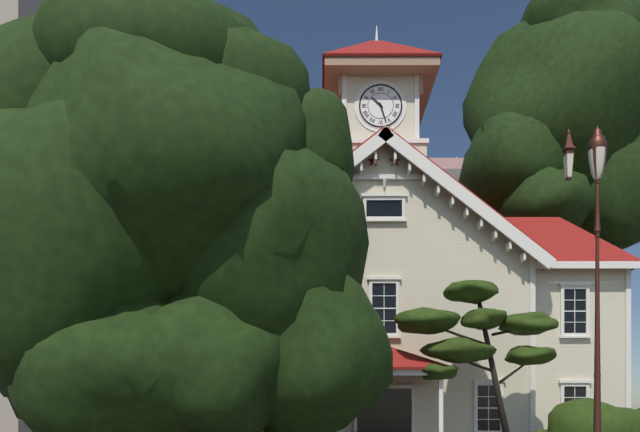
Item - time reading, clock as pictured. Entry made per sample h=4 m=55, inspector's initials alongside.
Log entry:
h=10 m=27
